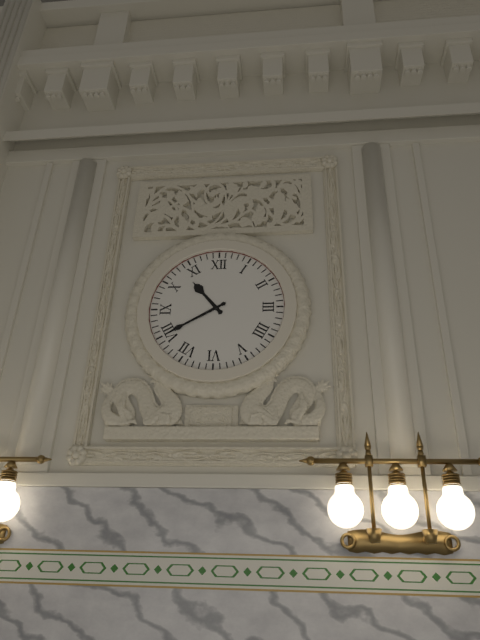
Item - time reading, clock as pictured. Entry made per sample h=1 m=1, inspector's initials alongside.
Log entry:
h=10 m=40
